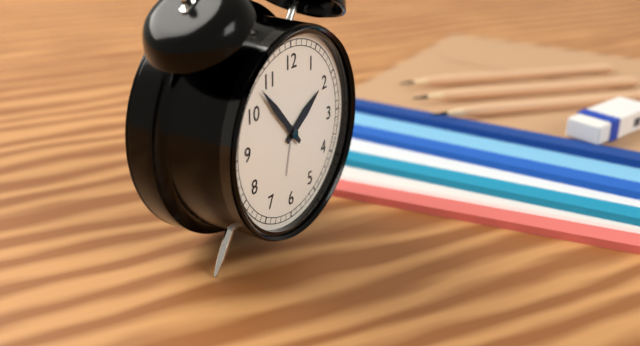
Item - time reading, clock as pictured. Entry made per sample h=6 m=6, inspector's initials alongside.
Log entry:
h=1 m=53
